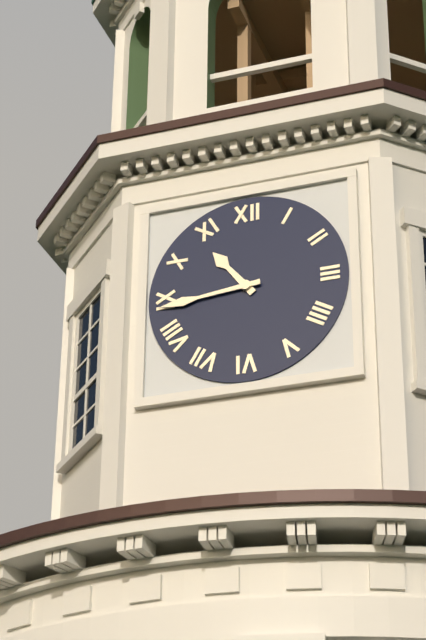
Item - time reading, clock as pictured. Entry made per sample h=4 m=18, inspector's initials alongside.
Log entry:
h=10 m=44
